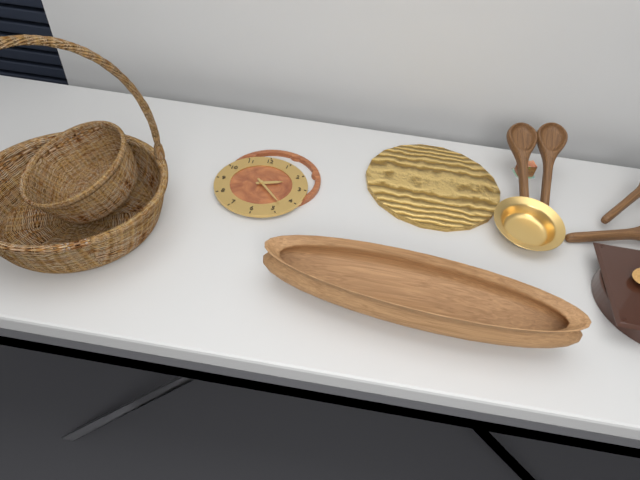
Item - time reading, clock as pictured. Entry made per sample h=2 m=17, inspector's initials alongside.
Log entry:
h=2 m=23
